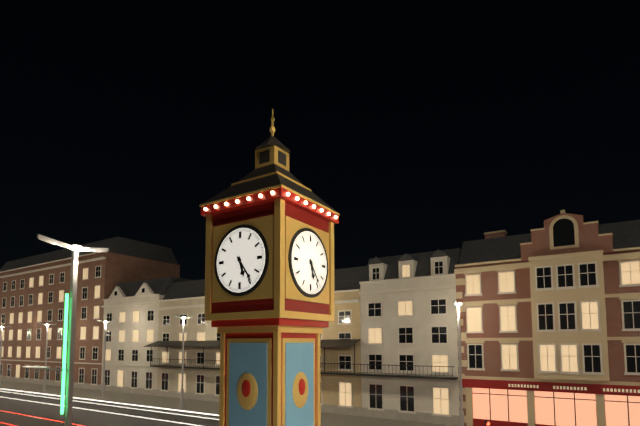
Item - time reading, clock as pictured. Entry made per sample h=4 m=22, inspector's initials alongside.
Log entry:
h=5 m=24
